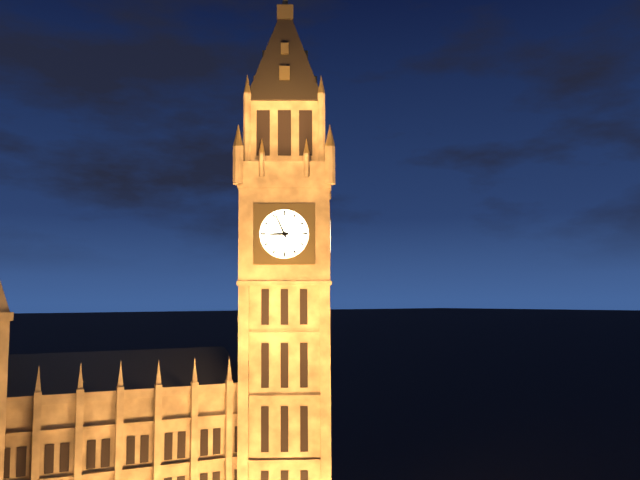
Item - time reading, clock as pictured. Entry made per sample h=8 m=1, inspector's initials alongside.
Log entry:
h=8 m=56
